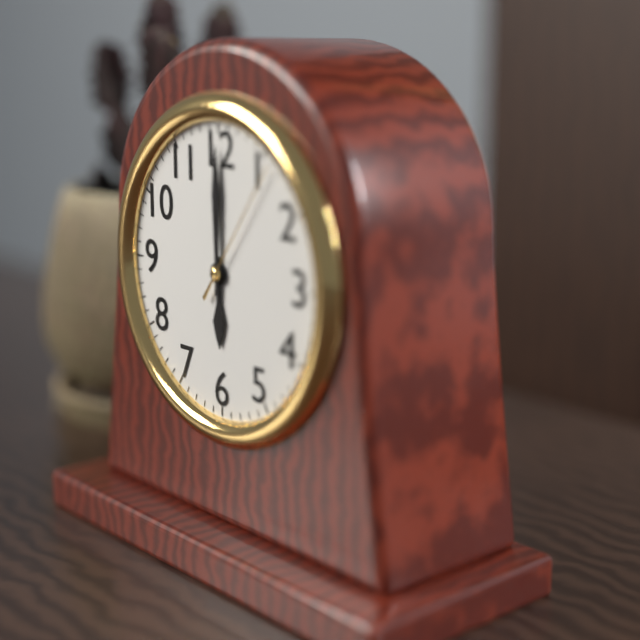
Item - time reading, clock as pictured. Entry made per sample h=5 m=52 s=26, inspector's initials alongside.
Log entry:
h=6 m=0 s=6
